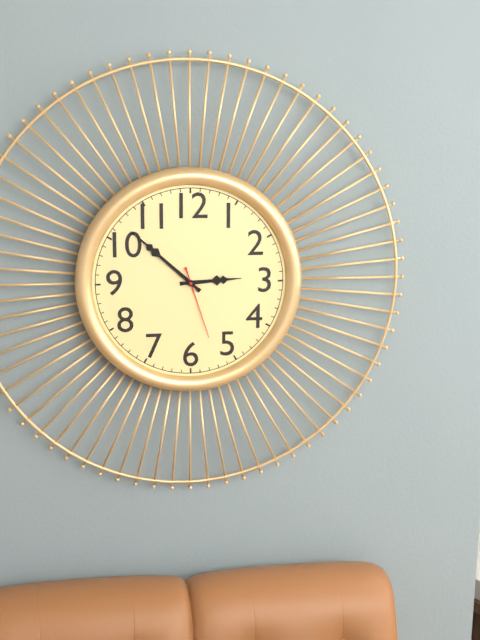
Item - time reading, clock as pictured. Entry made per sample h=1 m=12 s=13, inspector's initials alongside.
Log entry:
h=2 m=52 s=27
